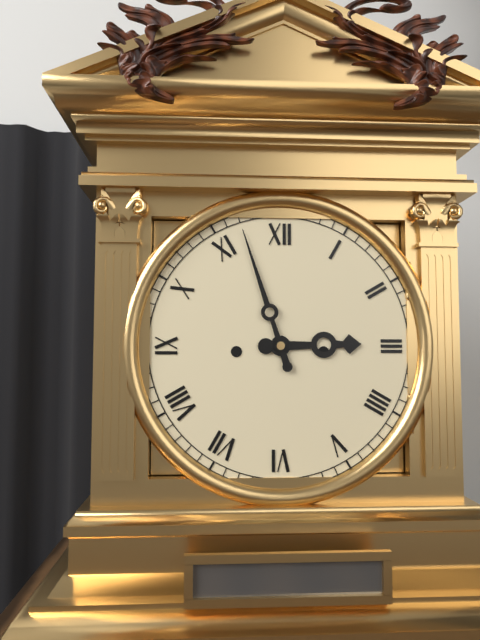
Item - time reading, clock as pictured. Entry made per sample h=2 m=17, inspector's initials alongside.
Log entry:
h=2 m=57
